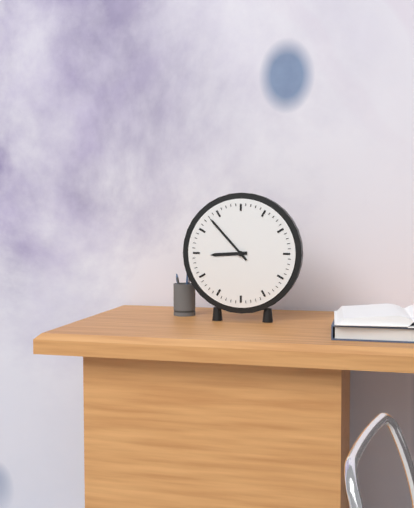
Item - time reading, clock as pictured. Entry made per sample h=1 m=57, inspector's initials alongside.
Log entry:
h=8 m=53
